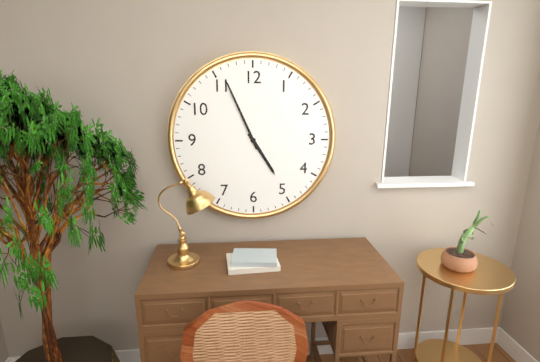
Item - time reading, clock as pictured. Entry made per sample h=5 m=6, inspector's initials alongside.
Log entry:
h=4 m=56
